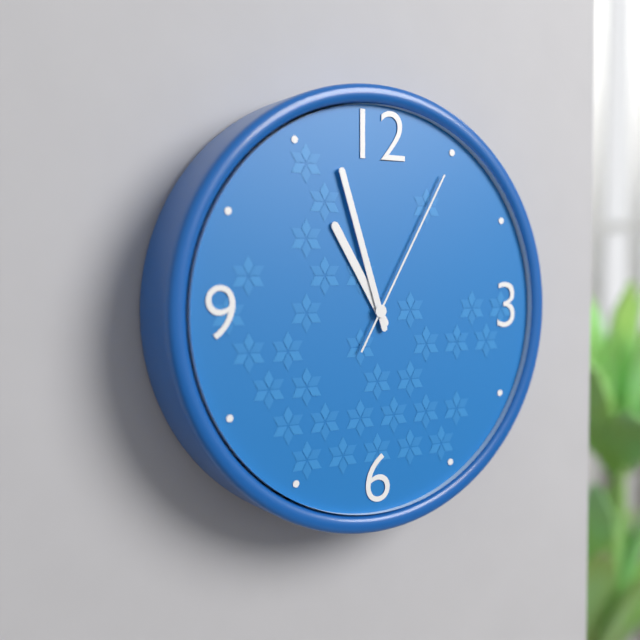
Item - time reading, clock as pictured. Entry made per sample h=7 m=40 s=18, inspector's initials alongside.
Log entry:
h=10 m=57 s=5
